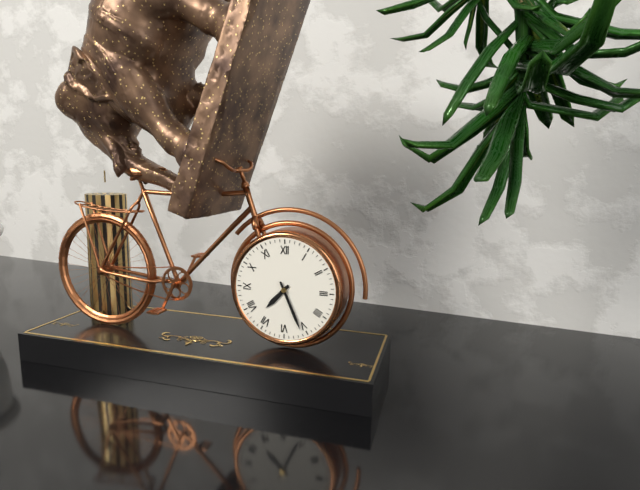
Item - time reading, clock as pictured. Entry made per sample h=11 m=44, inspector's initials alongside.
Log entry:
h=7 m=26
